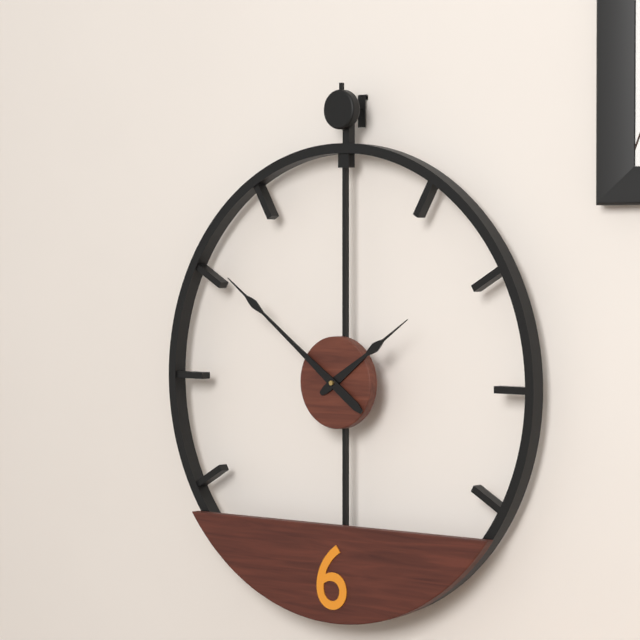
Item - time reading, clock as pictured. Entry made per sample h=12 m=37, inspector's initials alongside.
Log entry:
h=1 m=51
